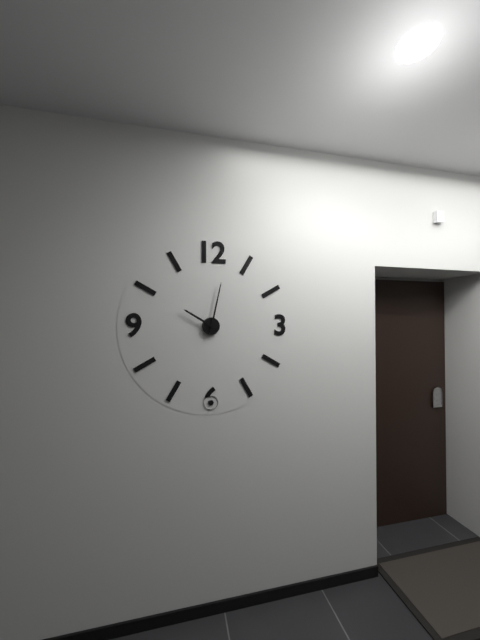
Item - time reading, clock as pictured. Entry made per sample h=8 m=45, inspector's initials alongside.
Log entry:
h=10 m=2
